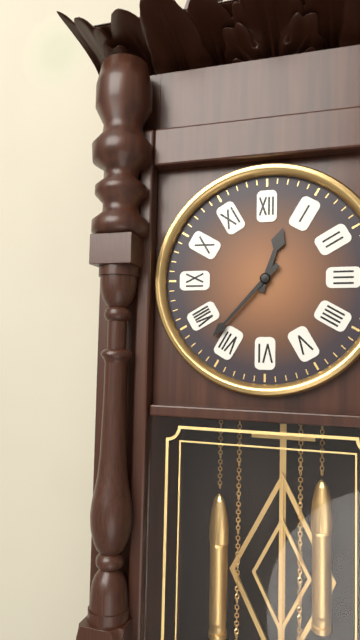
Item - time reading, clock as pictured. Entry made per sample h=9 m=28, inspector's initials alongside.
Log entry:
h=12 m=37
